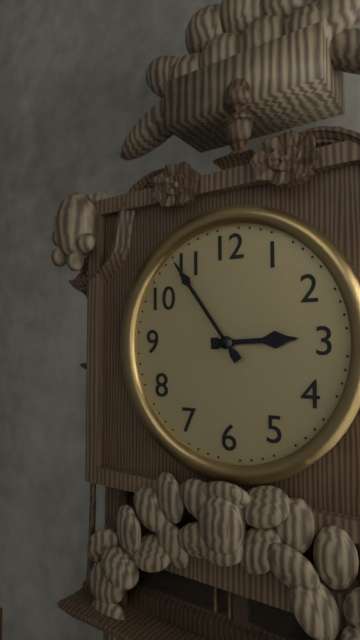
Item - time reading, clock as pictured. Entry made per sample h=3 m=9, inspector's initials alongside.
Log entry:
h=2 m=54
